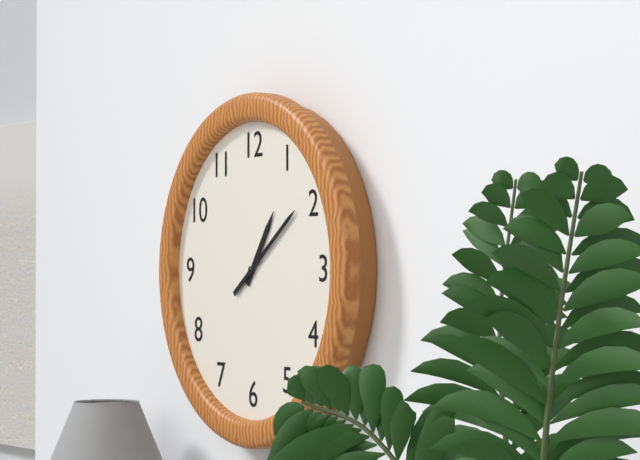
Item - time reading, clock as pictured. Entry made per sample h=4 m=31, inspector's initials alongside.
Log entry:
h=1 m=9
